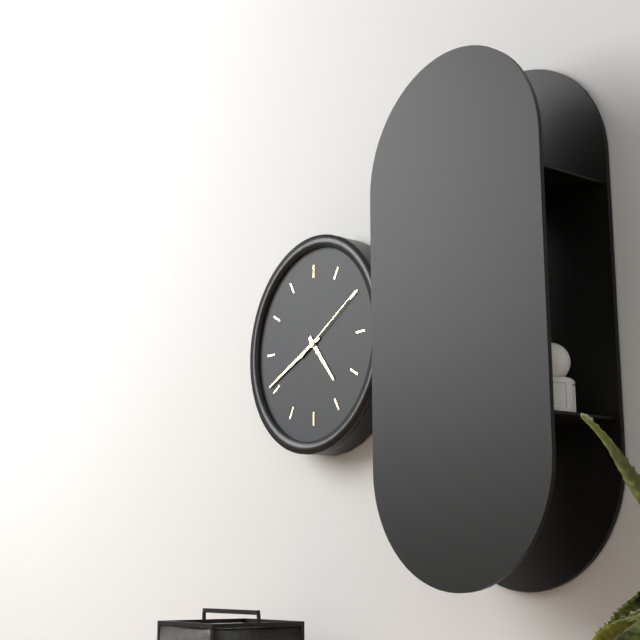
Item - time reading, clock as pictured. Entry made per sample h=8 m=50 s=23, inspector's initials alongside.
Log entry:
h=4 m=41 s=10
